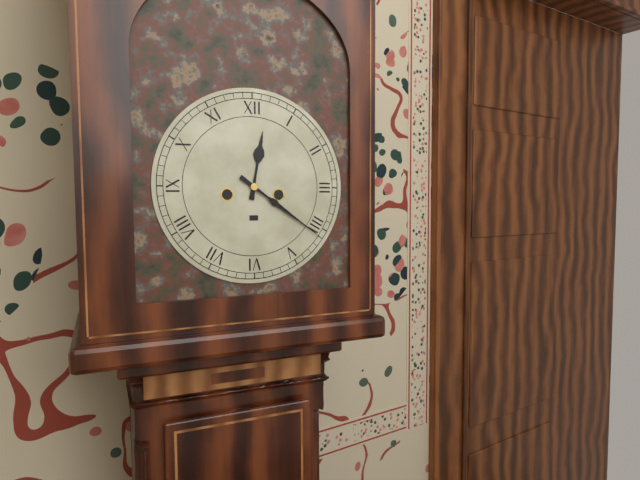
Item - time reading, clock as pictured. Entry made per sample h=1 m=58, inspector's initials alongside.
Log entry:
h=12 m=21
